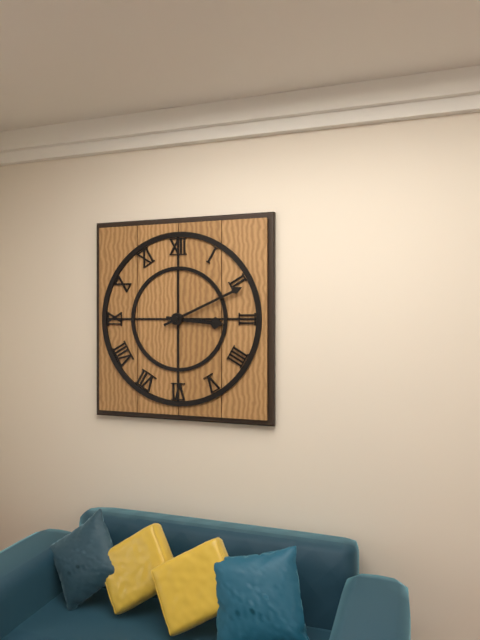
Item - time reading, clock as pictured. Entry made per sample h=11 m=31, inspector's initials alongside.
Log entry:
h=3 m=11
